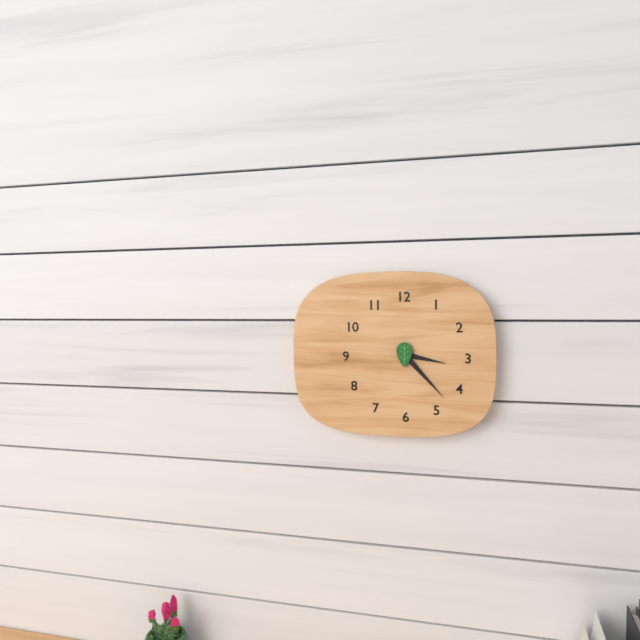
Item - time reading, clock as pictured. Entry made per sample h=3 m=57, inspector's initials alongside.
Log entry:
h=3 m=23
